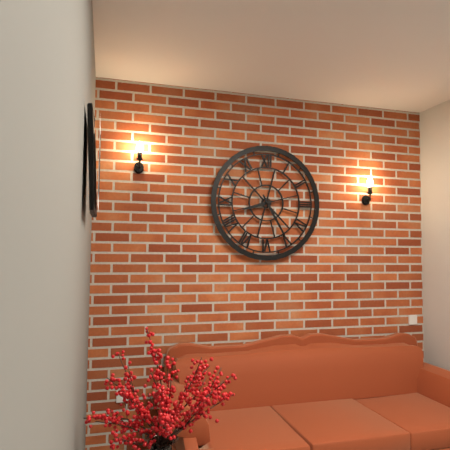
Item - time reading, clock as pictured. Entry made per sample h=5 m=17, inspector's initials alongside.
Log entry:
h=8 m=25
